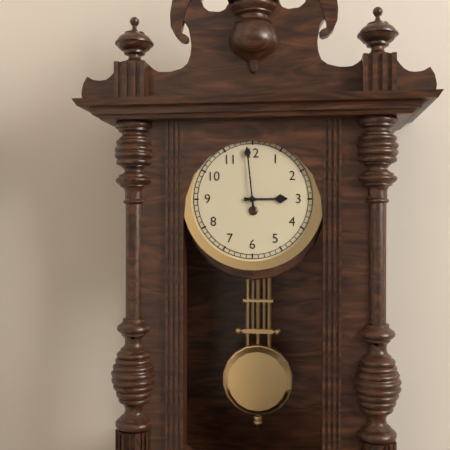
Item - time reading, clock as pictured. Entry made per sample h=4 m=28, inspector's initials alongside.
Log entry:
h=2 m=59
